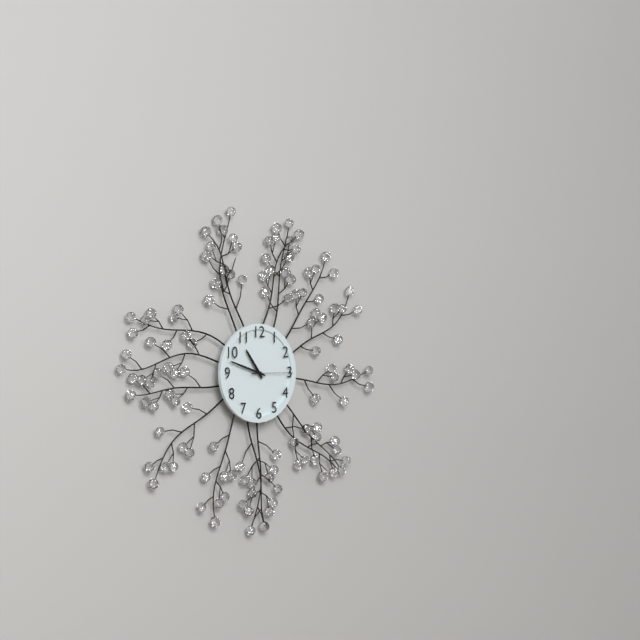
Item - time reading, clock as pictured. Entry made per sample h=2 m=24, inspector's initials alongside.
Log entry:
h=10 m=48
